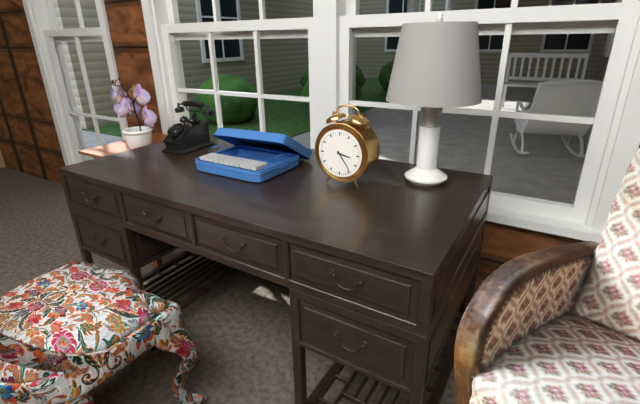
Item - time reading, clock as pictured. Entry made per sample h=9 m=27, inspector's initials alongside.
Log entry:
h=3 m=24
